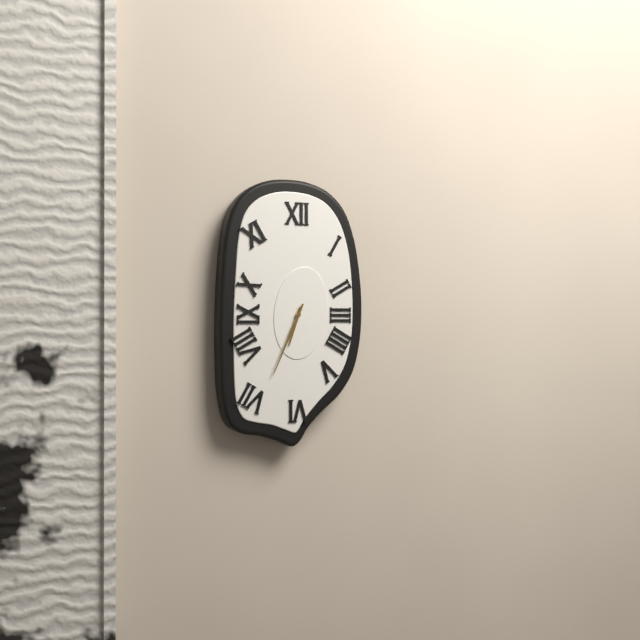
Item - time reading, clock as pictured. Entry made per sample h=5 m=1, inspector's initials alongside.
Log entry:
h=6 m=34
